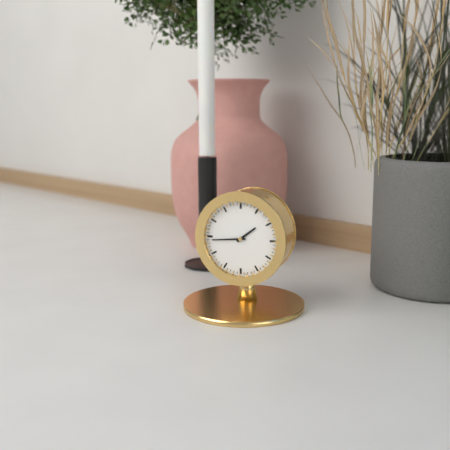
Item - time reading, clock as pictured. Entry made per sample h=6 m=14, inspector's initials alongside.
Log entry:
h=1 m=44
